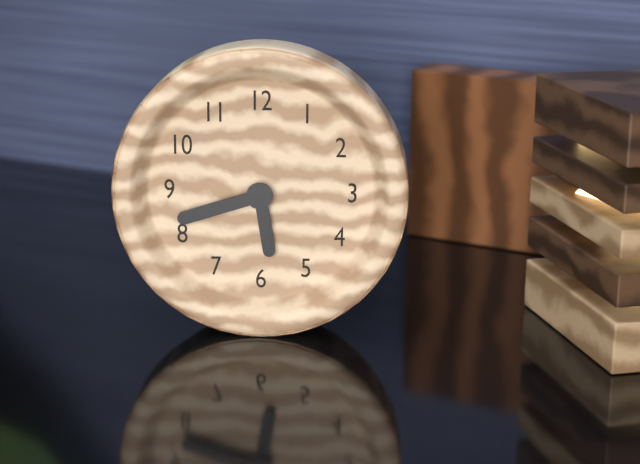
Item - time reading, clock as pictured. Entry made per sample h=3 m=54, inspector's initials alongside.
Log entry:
h=5 m=42
